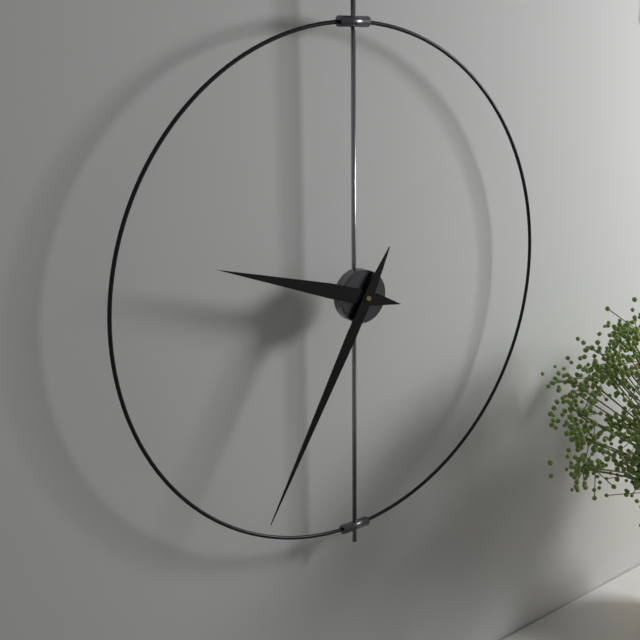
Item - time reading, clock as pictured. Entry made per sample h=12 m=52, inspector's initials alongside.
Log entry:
h=9 m=35
